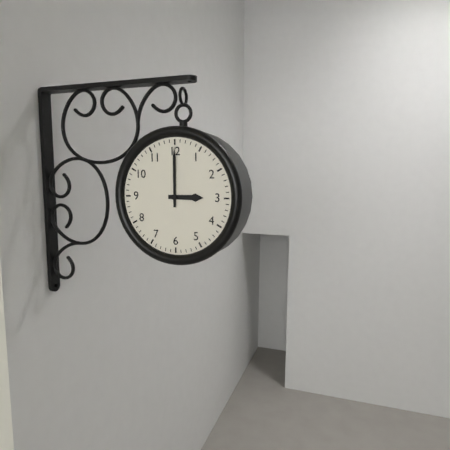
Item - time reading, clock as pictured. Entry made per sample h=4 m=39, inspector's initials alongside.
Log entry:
h=3 m=0
